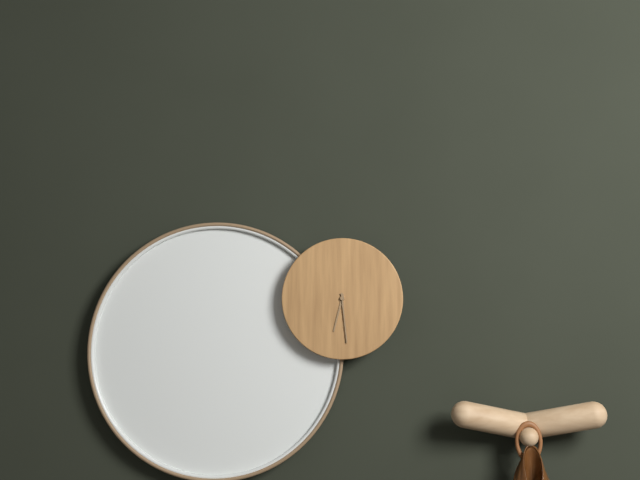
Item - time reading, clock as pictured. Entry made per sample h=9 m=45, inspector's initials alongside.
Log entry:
h=6 m=29
